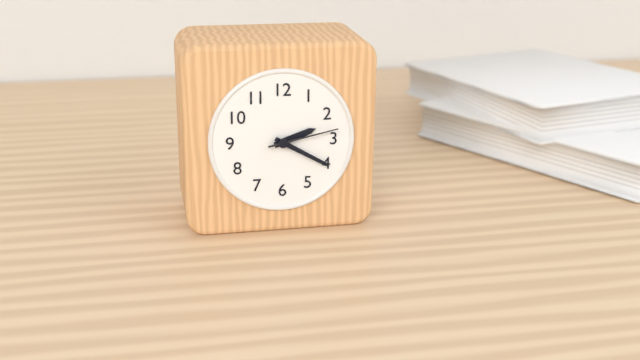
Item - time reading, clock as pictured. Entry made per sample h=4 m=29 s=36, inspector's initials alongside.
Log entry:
h=2 m=20 s=13
